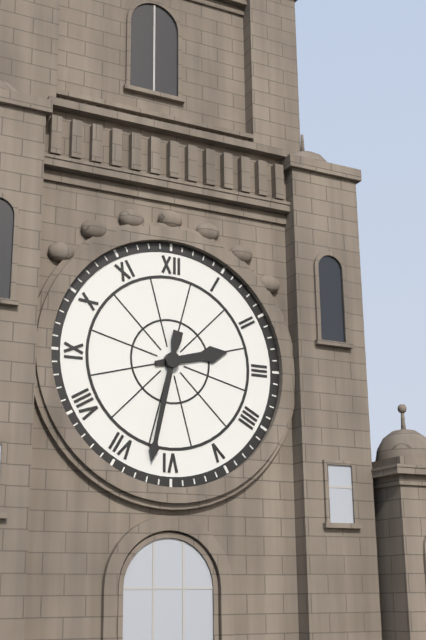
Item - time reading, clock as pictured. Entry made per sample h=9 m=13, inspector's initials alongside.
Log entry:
h=2 m=32
